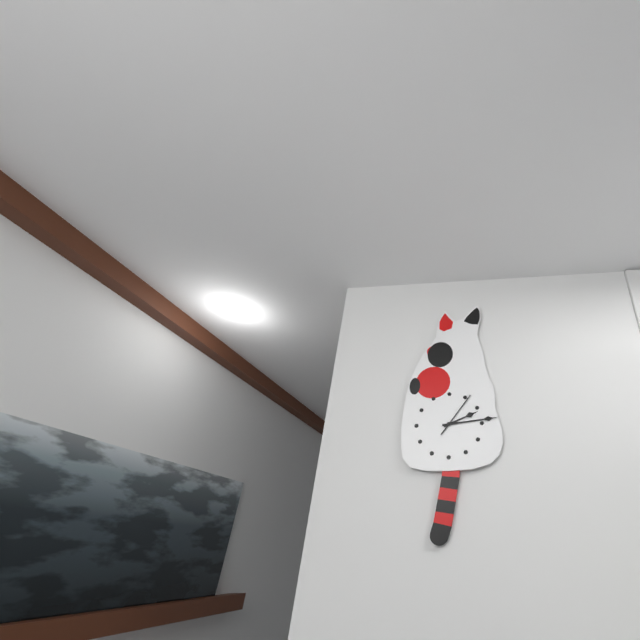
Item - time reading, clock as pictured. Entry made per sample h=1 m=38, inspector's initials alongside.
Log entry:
h=2 m=14
